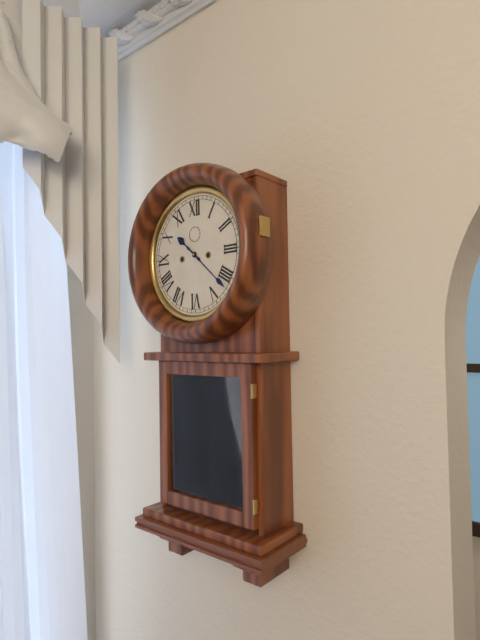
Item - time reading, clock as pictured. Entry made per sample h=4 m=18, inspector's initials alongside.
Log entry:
h=10 m=22
